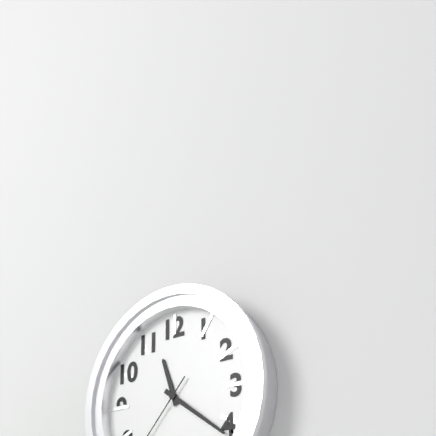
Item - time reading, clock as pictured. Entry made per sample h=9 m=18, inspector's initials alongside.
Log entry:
h=11 m=21
